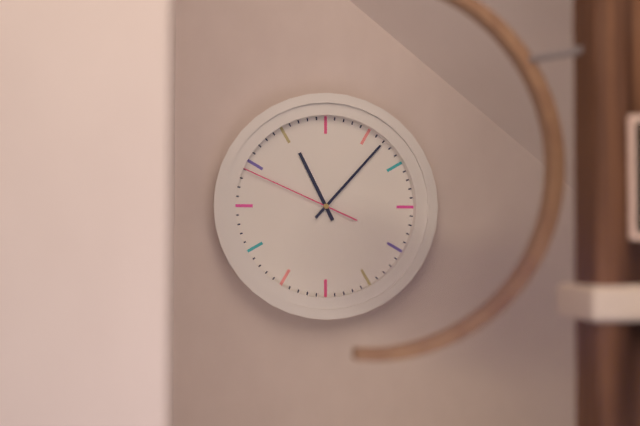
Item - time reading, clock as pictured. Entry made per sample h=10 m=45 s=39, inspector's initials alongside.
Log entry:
h=11 m=7 s=49
